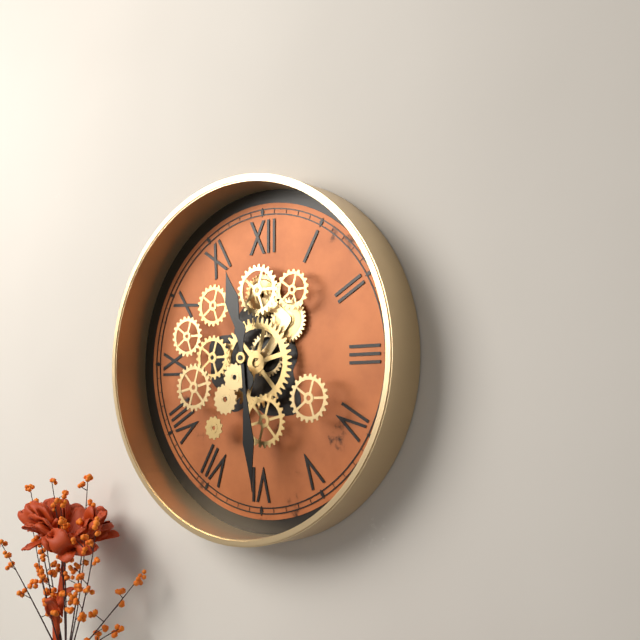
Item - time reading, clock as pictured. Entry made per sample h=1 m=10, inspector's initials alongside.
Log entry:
h=11 m=29
